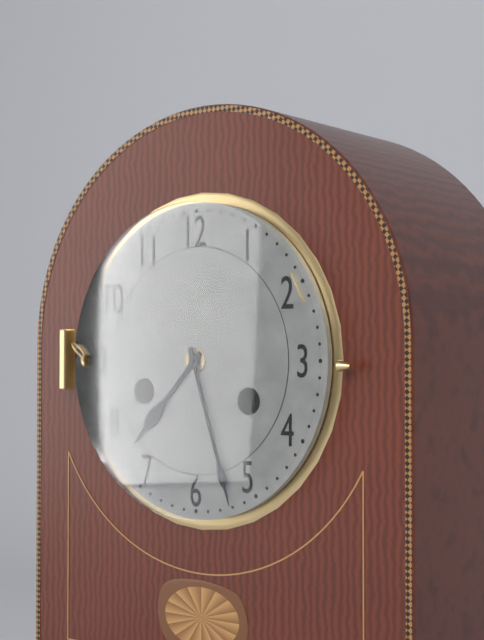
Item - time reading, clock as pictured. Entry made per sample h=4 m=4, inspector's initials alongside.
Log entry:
h=7 m=27
